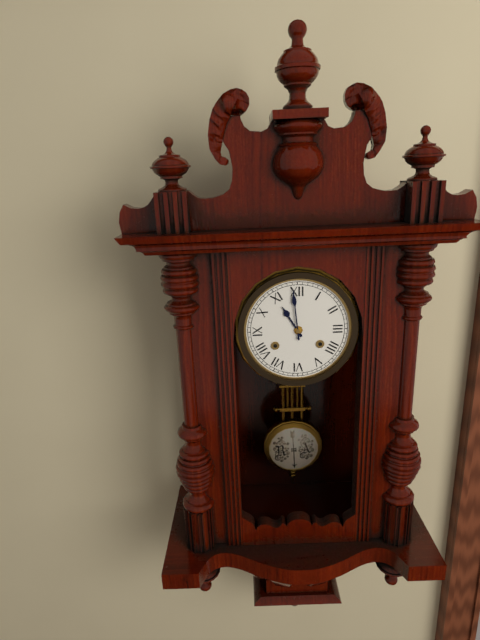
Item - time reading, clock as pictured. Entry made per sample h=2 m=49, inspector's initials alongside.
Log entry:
h=10 m=59
